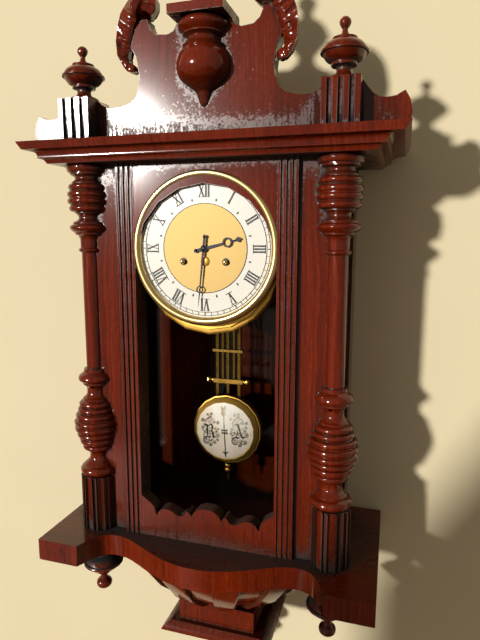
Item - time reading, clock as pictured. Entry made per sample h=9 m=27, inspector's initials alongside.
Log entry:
h=2 m=31
